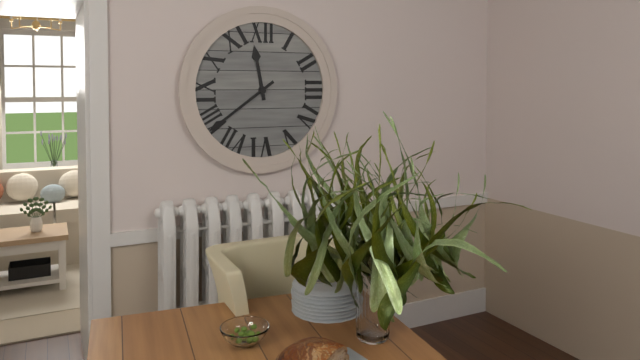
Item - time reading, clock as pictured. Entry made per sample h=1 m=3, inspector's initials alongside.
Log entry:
h=11 m=39
